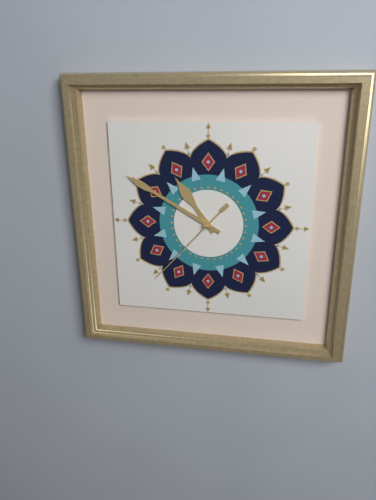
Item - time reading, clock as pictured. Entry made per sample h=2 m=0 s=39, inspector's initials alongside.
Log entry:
h=10 m=50 s=37
